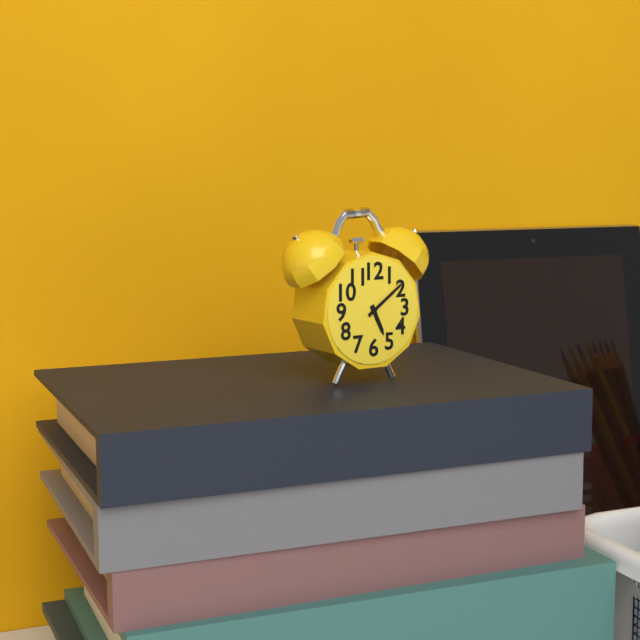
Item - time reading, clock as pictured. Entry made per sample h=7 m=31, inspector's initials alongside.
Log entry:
h=5 m=9
